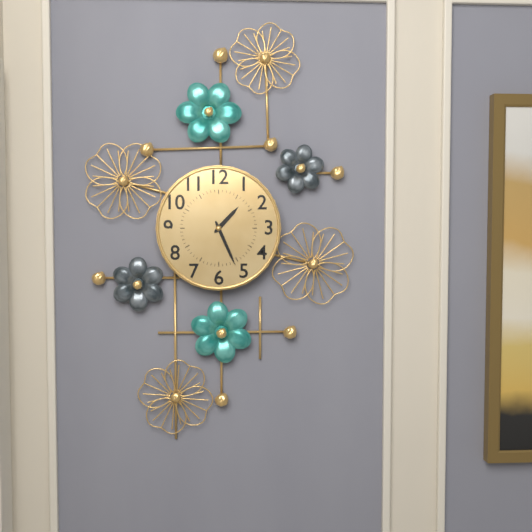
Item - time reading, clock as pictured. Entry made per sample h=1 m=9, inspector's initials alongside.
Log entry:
h=1 m=26
